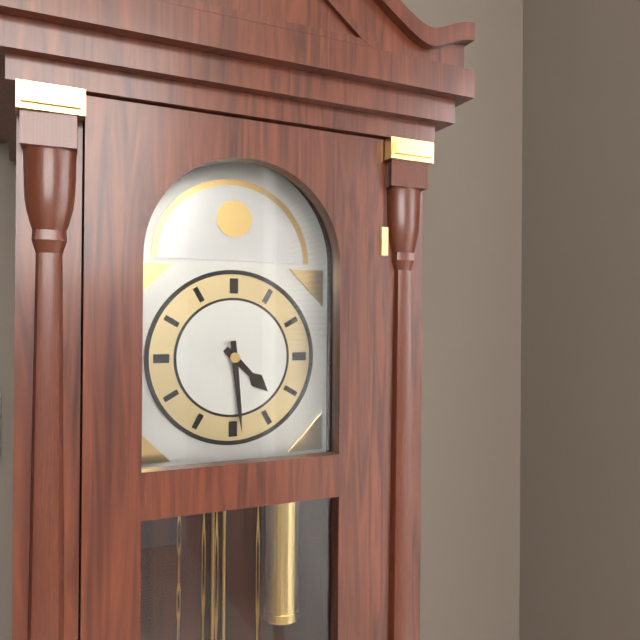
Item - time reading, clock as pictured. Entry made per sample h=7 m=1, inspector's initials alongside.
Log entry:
h=4 m=29
